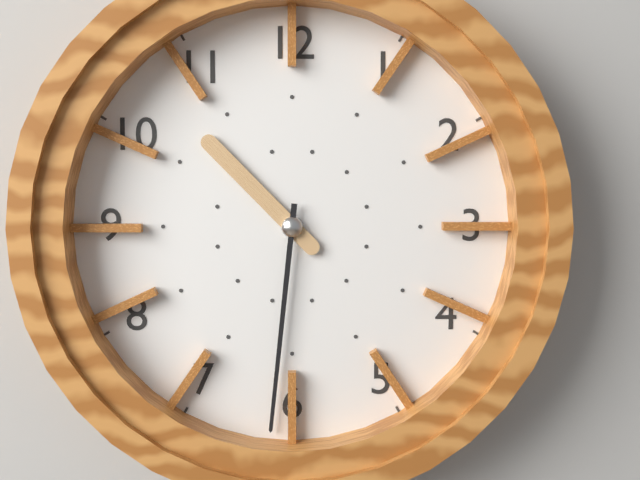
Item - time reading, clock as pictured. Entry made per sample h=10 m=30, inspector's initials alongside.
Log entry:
h=10 m=31
